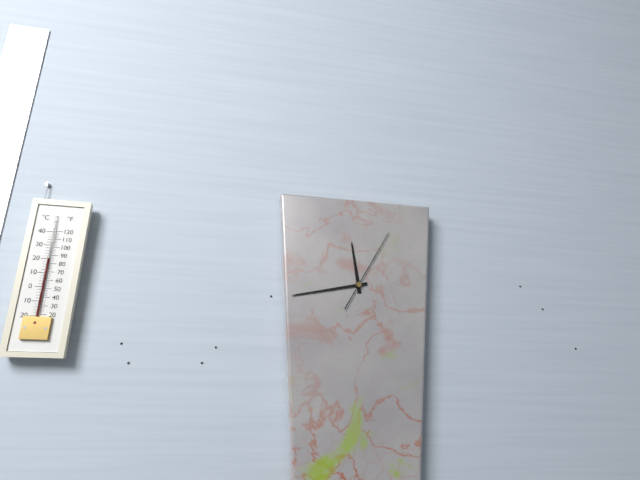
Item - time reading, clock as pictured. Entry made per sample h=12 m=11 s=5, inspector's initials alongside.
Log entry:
h=11 m=43 s=5
